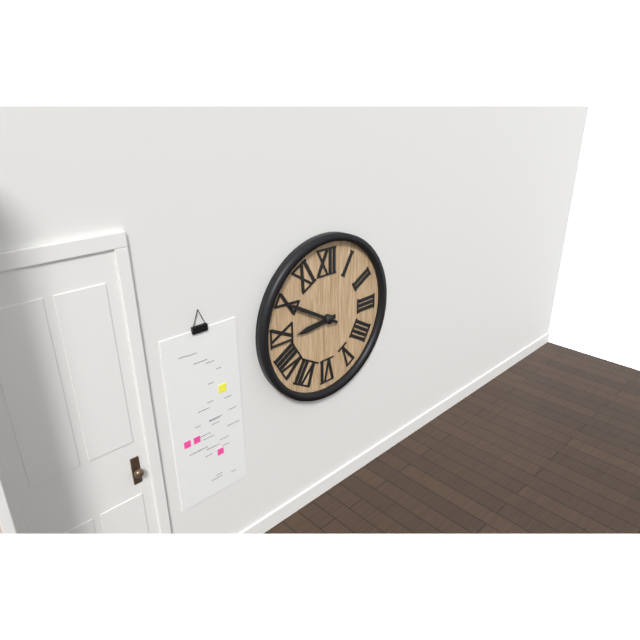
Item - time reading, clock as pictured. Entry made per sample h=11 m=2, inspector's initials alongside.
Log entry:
h=8 m=50
